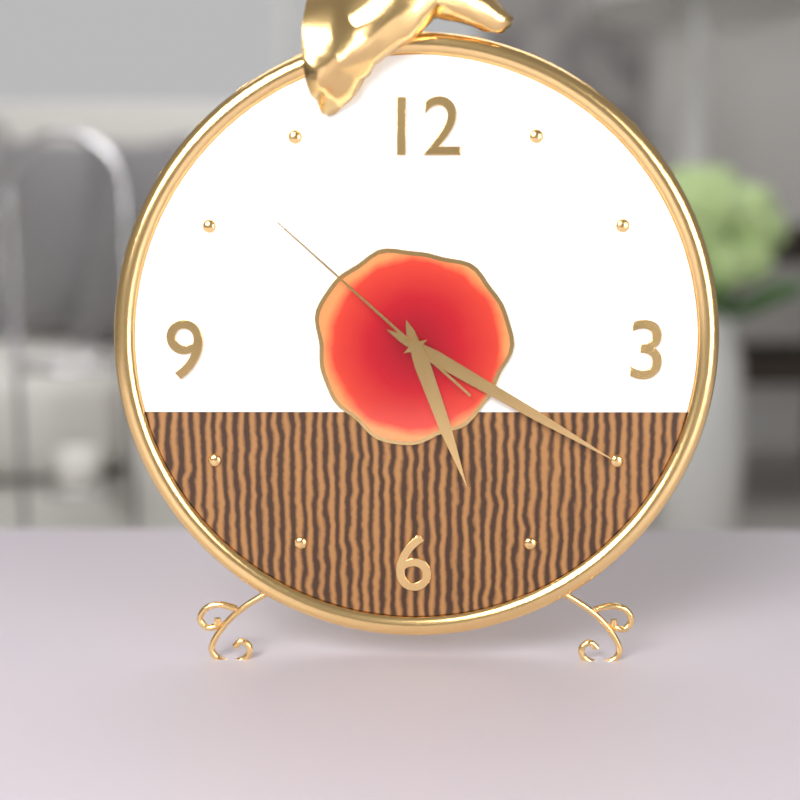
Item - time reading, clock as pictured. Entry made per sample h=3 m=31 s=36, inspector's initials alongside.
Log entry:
h=5 m=20 s=52
